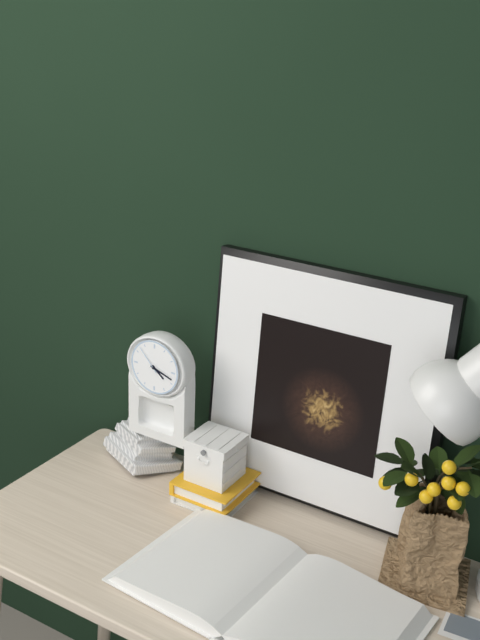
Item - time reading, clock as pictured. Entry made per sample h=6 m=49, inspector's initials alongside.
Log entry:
h=4 m=18
